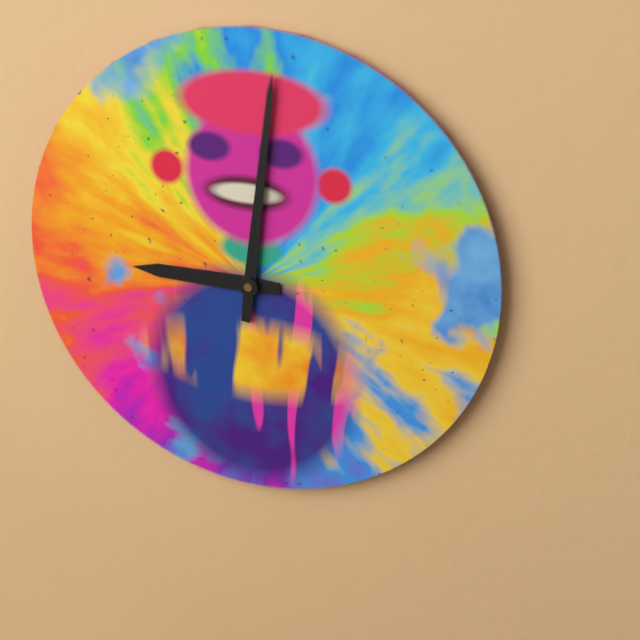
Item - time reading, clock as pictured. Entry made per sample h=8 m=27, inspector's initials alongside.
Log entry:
h=9 m=1
